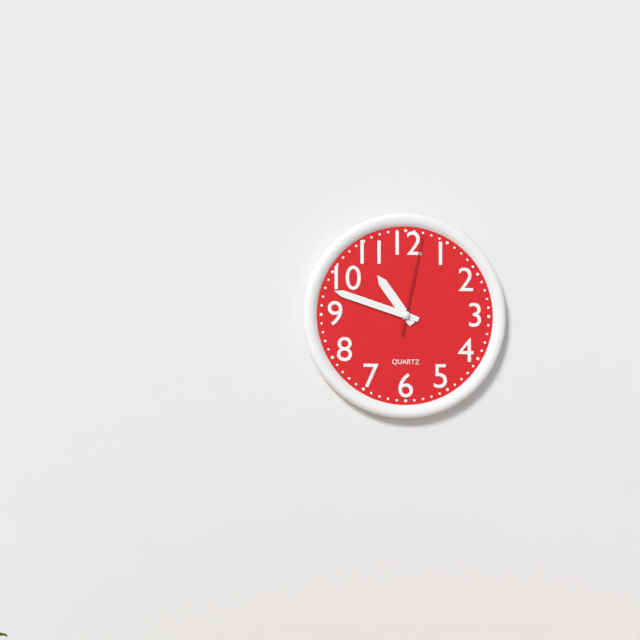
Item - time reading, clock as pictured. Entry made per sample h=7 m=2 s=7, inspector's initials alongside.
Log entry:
h=10 m=48 s=2
